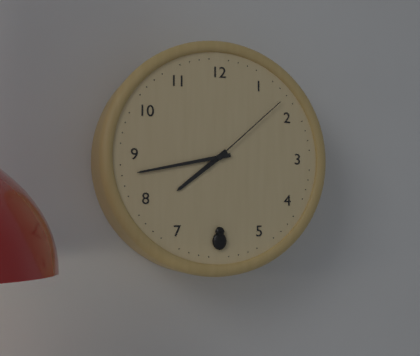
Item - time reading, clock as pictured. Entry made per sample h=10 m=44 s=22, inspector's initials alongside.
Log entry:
h=7 m=43 s=8
